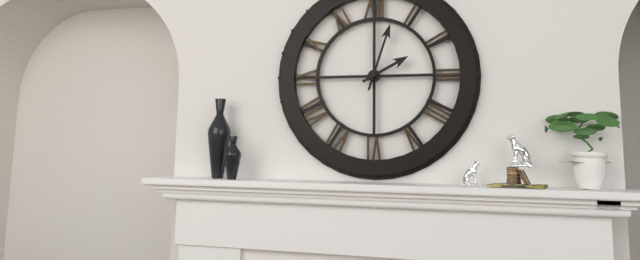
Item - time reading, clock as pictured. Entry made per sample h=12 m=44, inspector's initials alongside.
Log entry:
h=2 m=3
